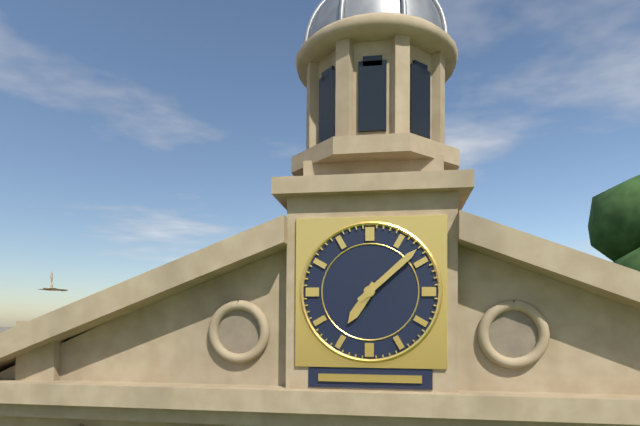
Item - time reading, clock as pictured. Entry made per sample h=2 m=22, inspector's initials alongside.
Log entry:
h=7 m=8
